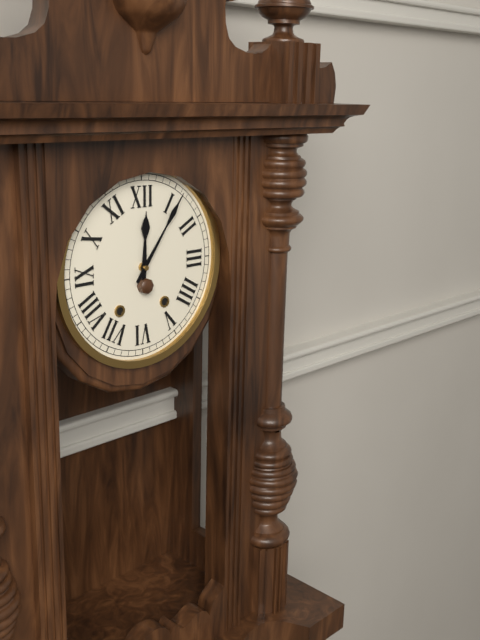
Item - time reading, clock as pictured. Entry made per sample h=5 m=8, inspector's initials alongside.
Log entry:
h=12 m=6
